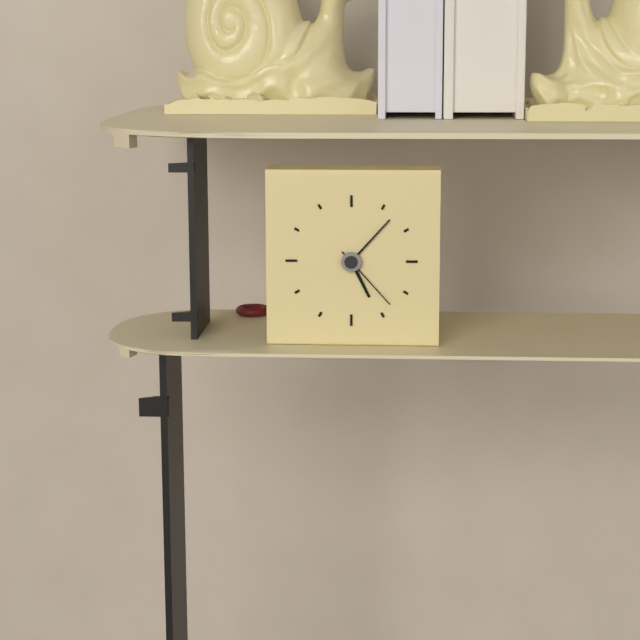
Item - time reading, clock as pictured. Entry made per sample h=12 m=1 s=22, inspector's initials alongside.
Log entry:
h=5 m=7 s=23
